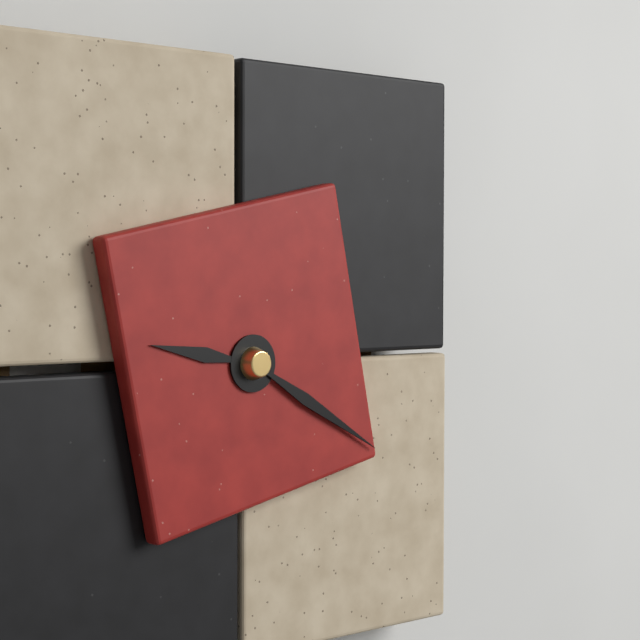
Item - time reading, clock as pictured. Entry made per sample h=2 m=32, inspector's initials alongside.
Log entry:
h=9 m=20
